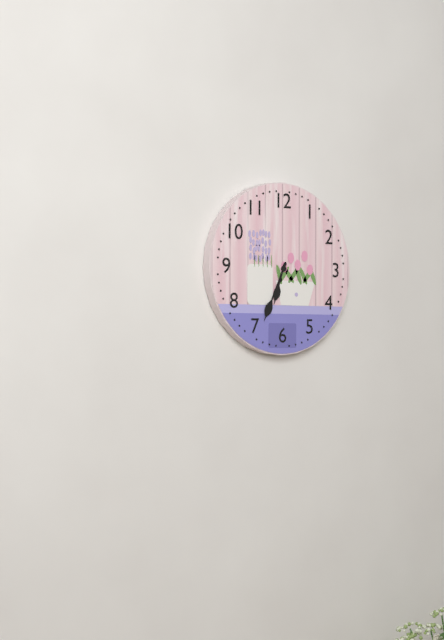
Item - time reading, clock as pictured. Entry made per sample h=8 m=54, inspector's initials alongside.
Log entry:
h=6 m=34
